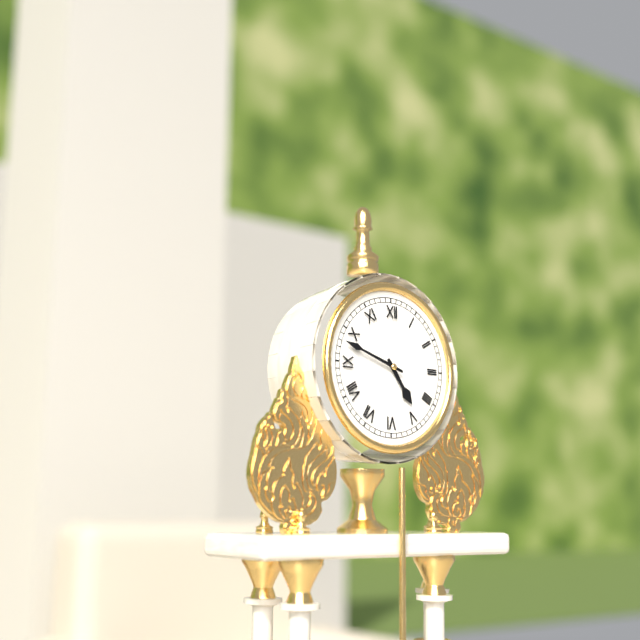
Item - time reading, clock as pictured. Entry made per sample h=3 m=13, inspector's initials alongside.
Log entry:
h=4 m=48
